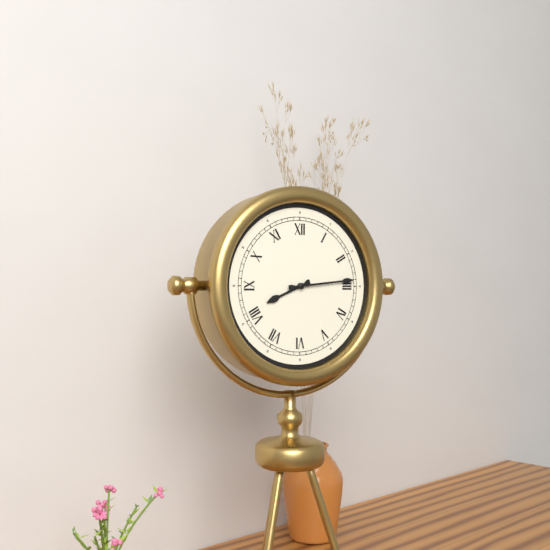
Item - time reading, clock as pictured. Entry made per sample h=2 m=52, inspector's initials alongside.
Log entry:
h=8 m=14
